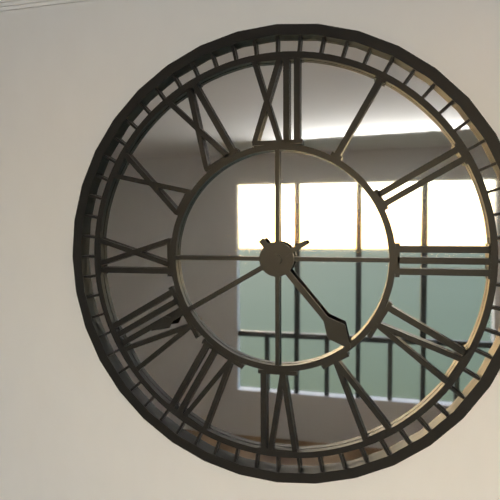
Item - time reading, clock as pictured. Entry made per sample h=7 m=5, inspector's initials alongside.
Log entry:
h=4 m=40
